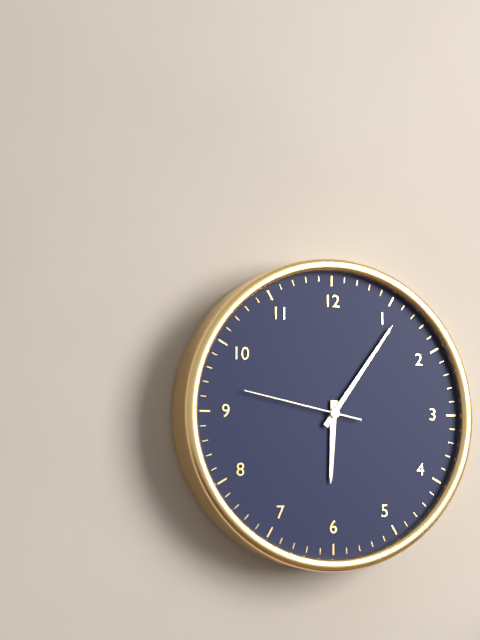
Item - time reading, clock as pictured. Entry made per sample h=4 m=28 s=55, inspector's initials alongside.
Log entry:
h=6 m=6 s=47
